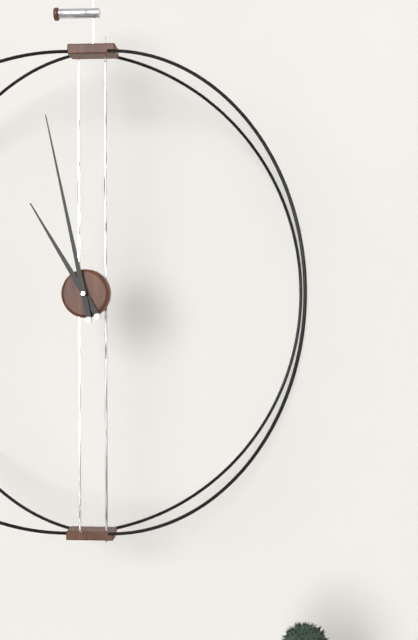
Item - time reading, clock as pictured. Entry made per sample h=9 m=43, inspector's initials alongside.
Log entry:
h=10 m=58
